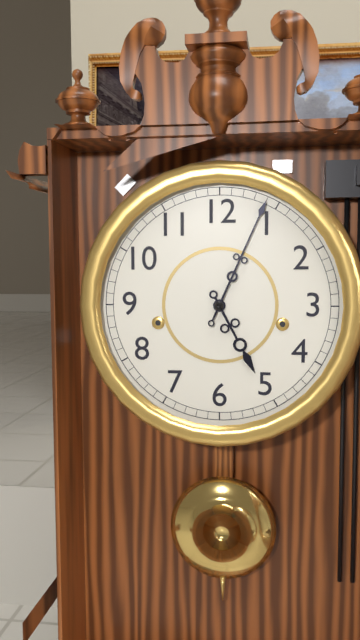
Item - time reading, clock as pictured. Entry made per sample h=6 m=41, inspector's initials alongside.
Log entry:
h=5 m=4
